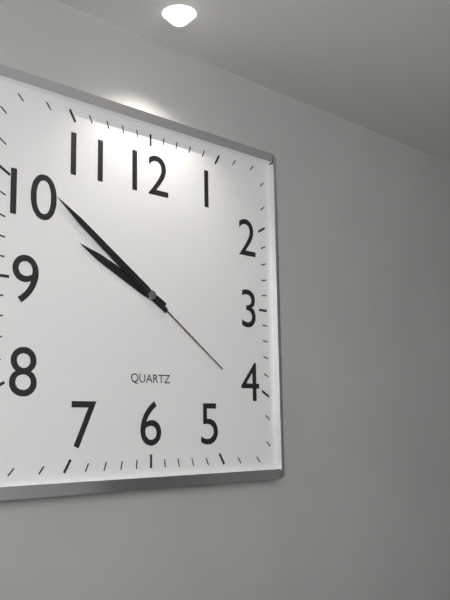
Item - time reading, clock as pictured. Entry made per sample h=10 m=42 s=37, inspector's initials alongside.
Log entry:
h=9 m=51 s=21
